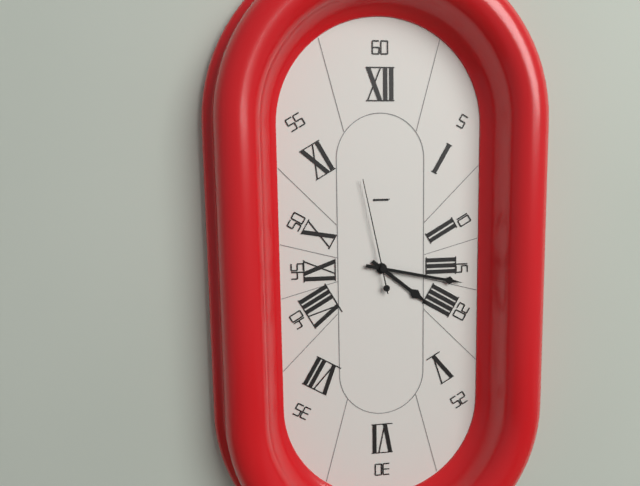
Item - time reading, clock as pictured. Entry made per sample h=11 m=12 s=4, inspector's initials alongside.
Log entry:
h=4 m=17 s=58
